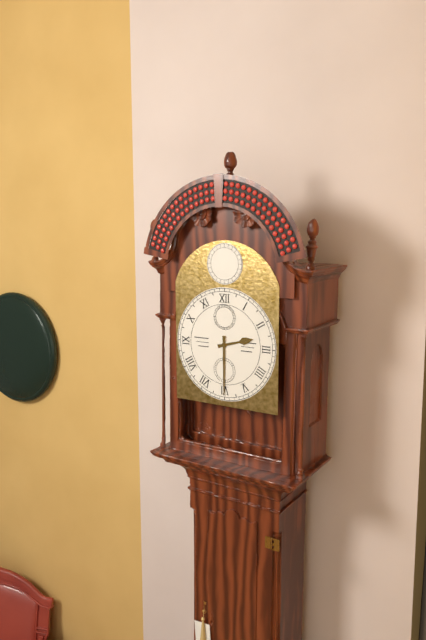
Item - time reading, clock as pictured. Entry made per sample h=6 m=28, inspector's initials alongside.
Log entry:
h=2 m=30
